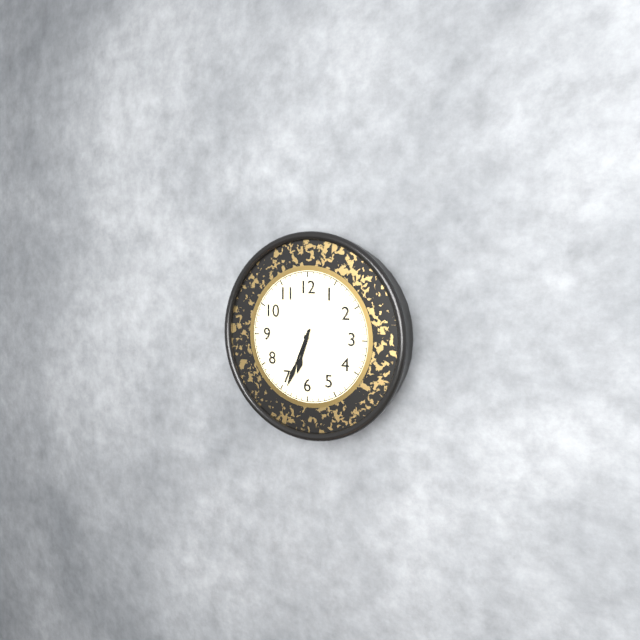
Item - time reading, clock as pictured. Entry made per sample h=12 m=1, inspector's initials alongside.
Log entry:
h=6 m=34
